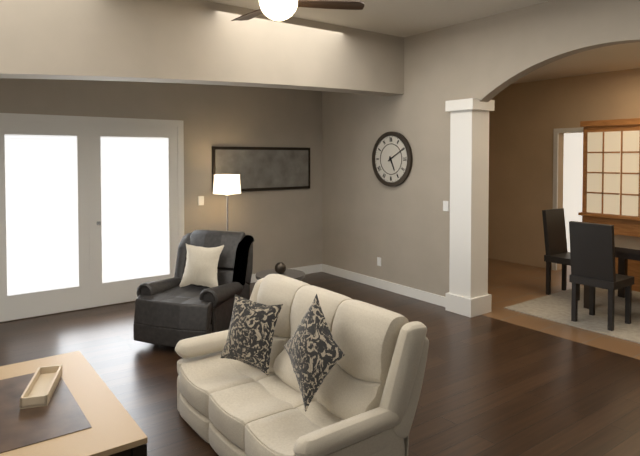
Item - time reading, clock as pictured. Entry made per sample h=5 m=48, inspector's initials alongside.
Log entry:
h=5 m=10
